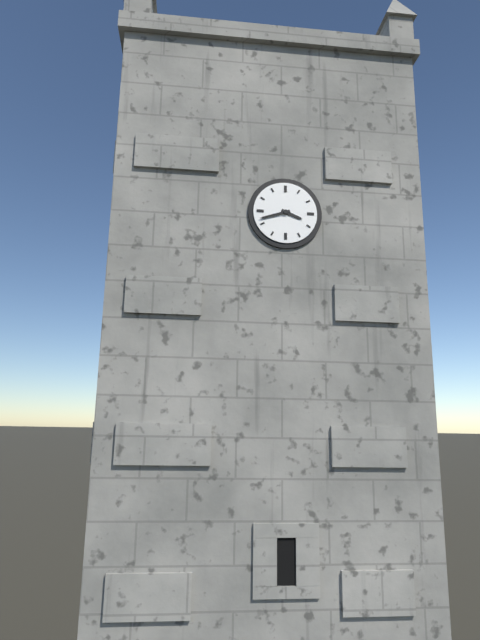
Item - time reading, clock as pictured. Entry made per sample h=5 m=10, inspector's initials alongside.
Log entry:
h=3 m=42
